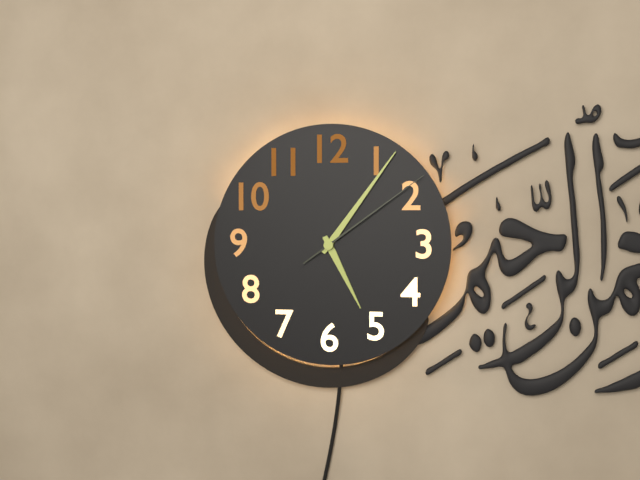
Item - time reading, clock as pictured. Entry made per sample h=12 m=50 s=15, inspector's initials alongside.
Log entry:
h=5 m=6 s=9
